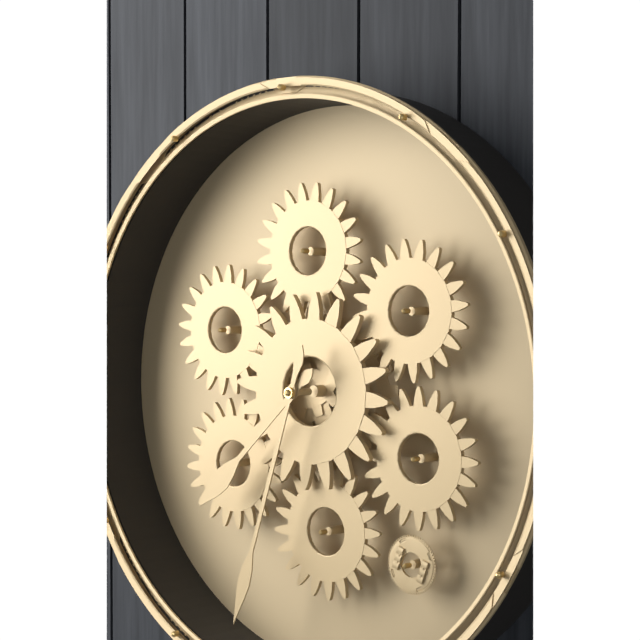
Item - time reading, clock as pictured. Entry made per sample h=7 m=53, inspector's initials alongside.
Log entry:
h=7 m=33
